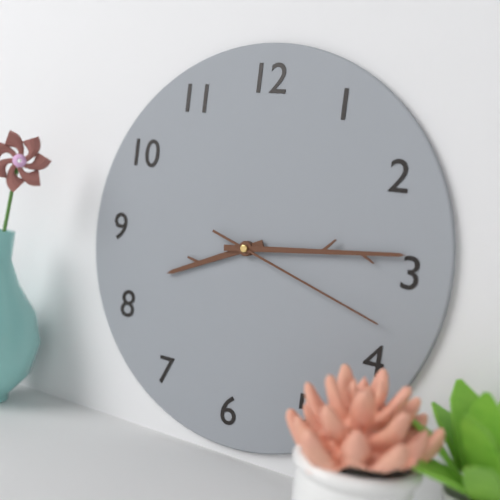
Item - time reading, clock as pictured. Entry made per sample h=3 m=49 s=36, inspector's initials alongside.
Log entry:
h=8 m=14 s=18
